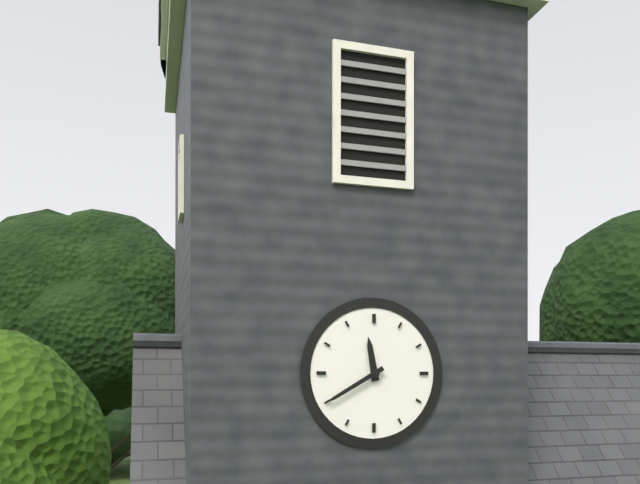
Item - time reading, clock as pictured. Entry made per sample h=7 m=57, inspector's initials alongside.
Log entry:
h=11 m=40
